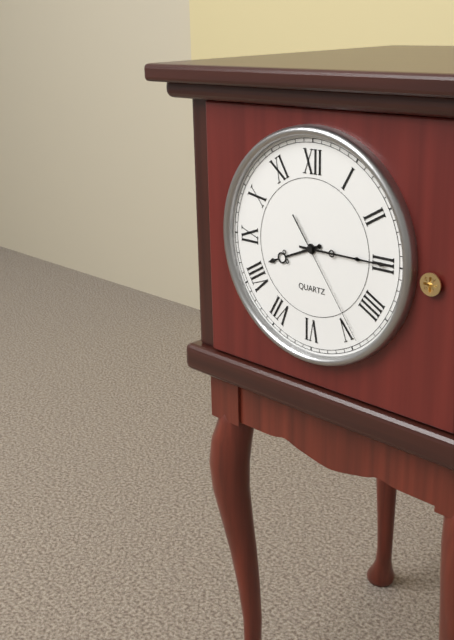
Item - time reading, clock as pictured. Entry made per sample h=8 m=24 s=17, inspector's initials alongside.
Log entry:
h=8 m=15 s=24
